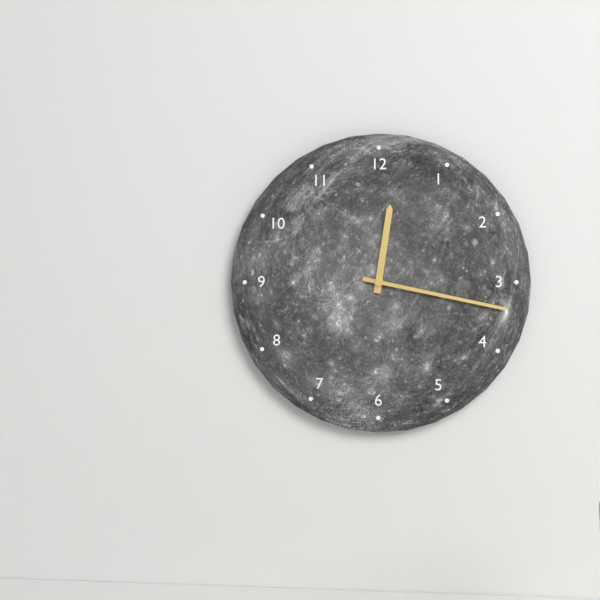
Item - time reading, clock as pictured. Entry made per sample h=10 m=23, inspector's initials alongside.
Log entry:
h=12 m=17
